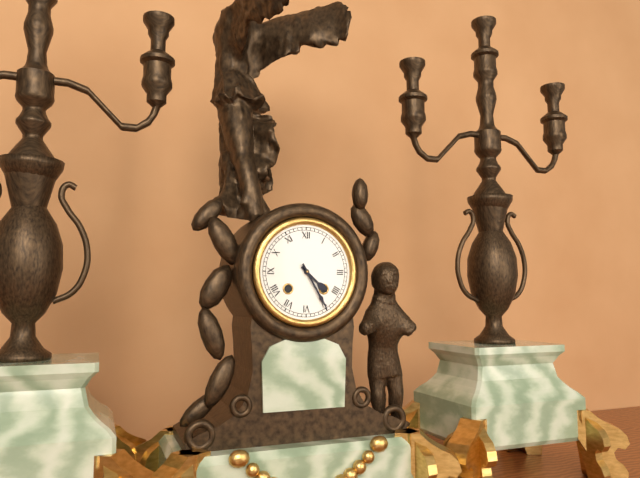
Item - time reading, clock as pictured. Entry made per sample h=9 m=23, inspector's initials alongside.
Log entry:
h=4 m=25
